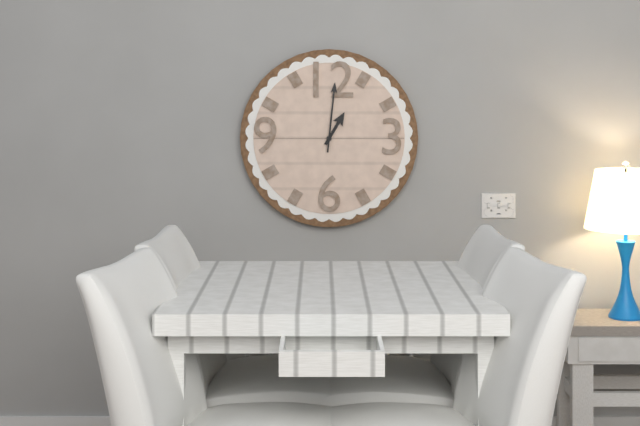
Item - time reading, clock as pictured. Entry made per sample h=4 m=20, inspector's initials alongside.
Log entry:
h=1 m=1
